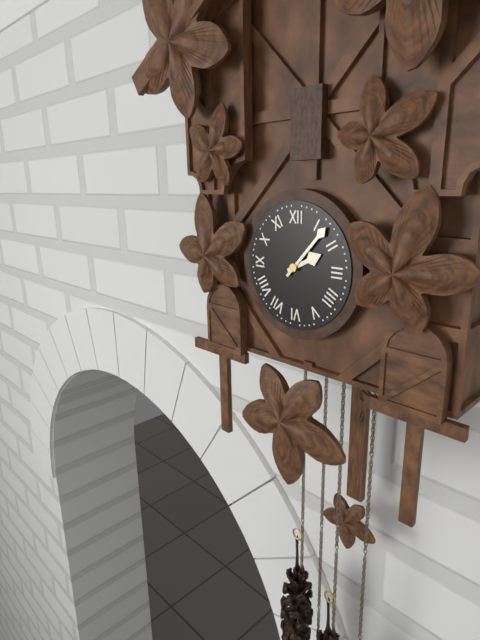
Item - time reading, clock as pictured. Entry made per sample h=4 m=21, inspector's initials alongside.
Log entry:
h=2 m=7
